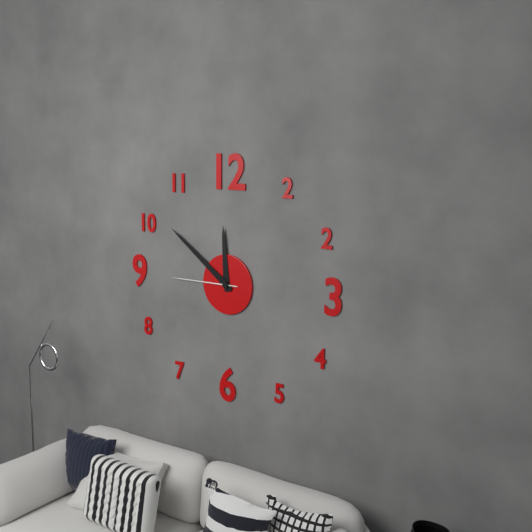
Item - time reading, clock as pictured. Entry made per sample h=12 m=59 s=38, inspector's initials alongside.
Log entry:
h=11 m=51 s=45
